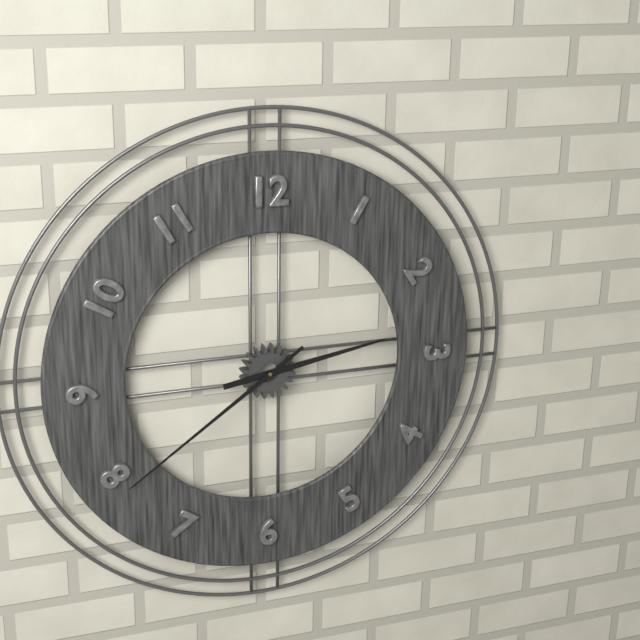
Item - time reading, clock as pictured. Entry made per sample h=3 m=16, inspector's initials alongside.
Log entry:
h=2 m=39
